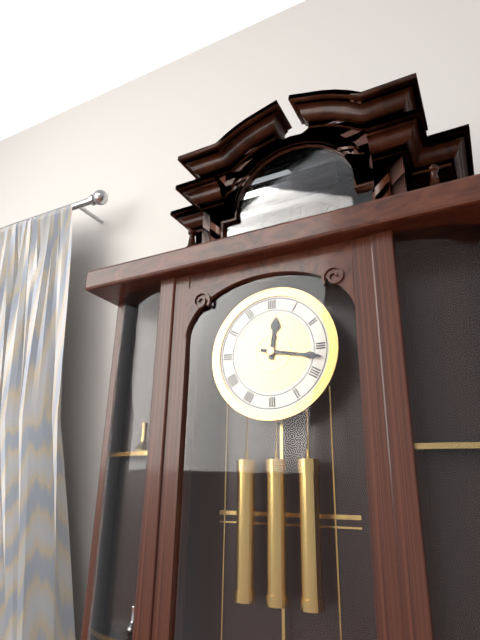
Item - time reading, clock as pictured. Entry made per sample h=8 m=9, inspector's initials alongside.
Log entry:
h=12 m=17
